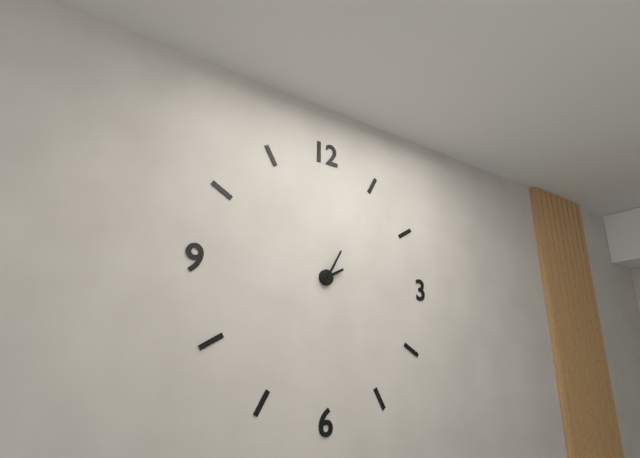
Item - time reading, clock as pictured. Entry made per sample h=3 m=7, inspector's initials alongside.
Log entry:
h=2 m=5
